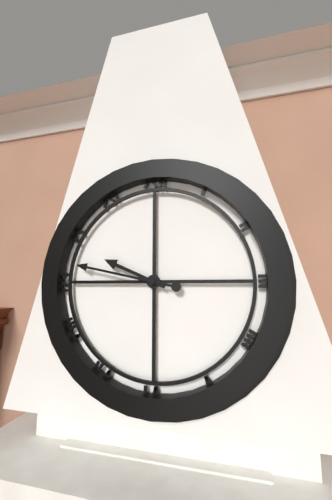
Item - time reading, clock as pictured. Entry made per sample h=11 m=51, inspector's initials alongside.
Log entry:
h=9 m=47
